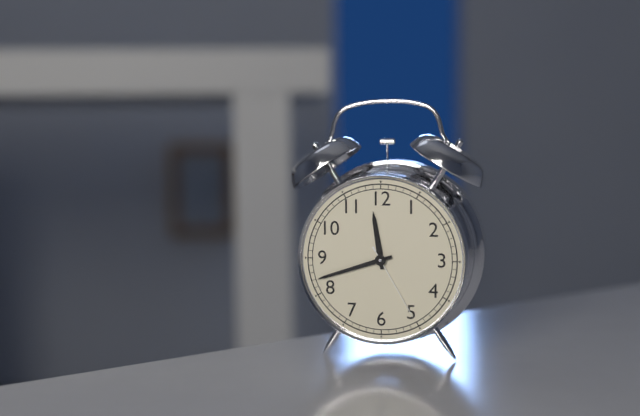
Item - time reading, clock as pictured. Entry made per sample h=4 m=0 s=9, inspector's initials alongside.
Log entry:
h=11 m=42 s=25
